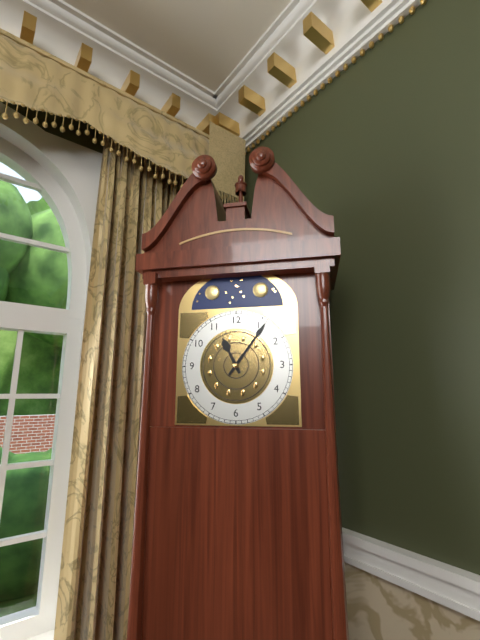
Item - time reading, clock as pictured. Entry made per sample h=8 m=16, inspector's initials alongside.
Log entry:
h=11 m=6
